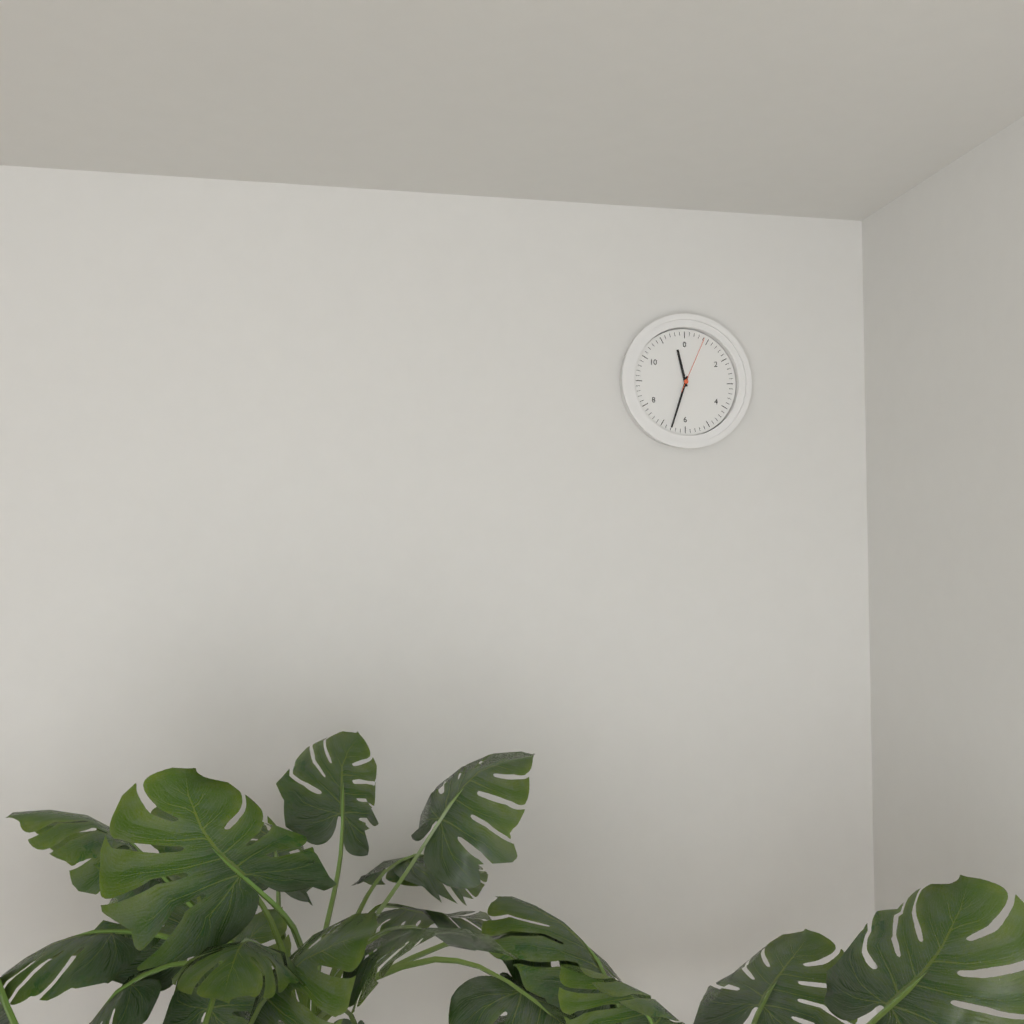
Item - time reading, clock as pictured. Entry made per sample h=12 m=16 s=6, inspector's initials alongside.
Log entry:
h=11 m=33 s=4
